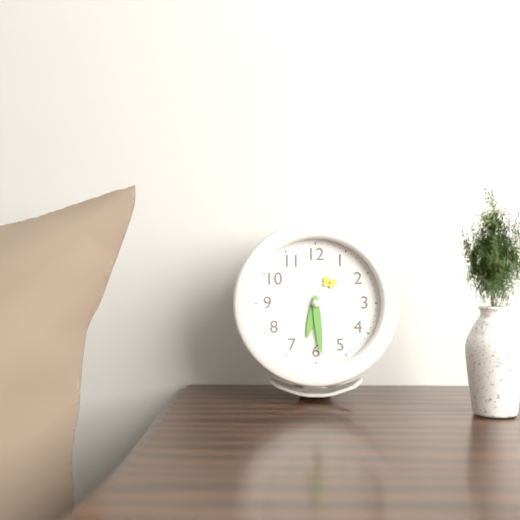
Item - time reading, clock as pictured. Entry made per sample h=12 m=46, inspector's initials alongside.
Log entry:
h=6 m=29
